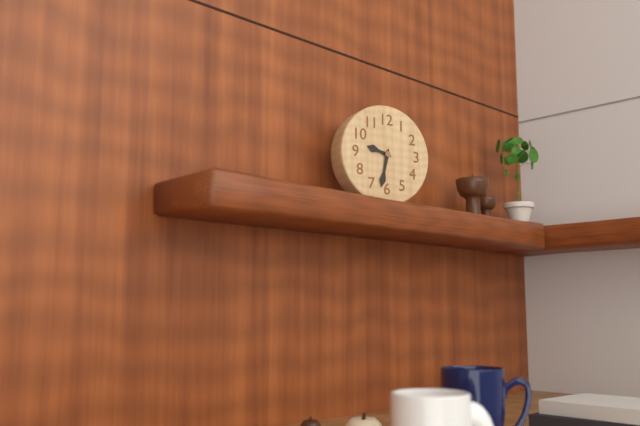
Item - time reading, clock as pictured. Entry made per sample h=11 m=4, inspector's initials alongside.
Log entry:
h=9 m=32
